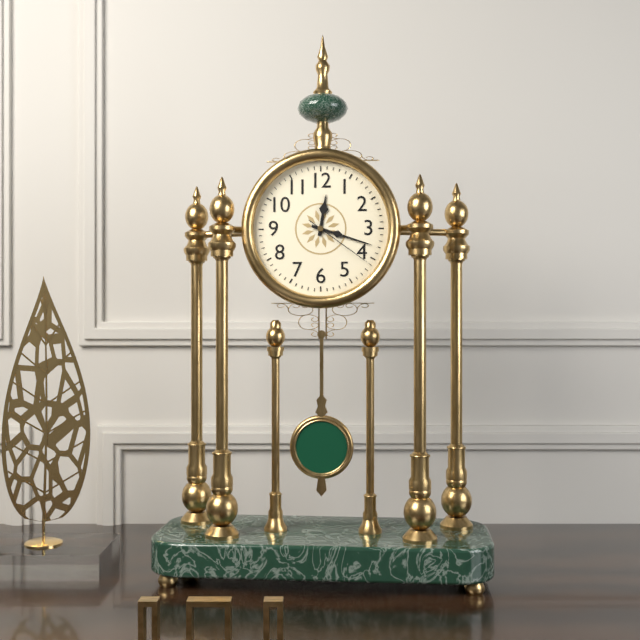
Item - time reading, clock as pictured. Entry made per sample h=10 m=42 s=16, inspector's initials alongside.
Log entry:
h=12 m=18 s=21
